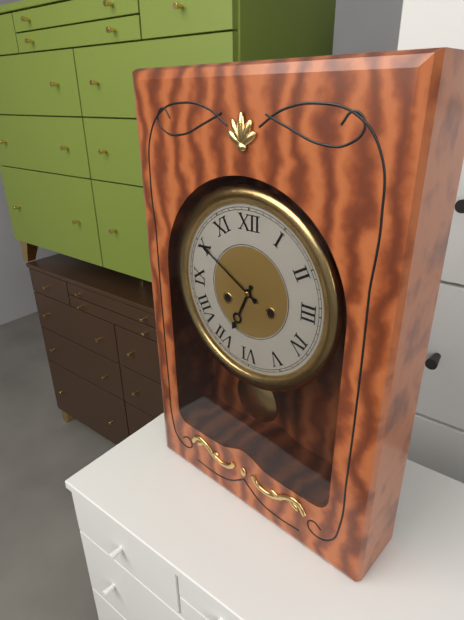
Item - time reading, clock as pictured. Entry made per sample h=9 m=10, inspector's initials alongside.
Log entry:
h=6 m=50
